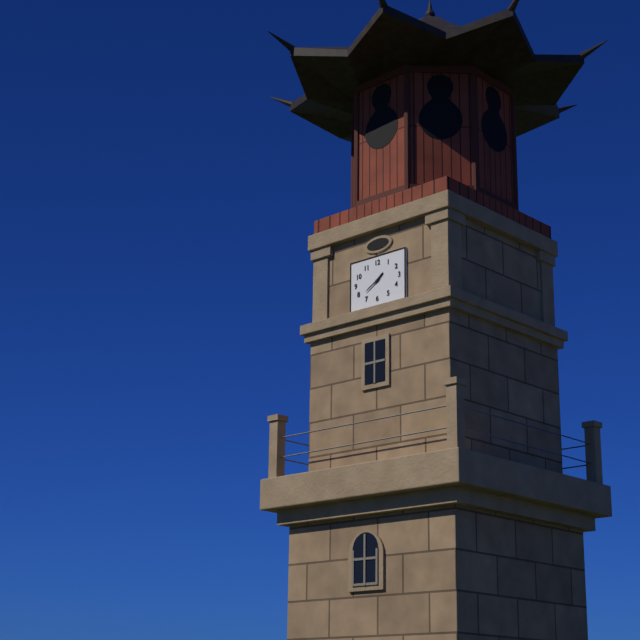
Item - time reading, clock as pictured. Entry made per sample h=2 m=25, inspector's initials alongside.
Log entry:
h=1 m=40
